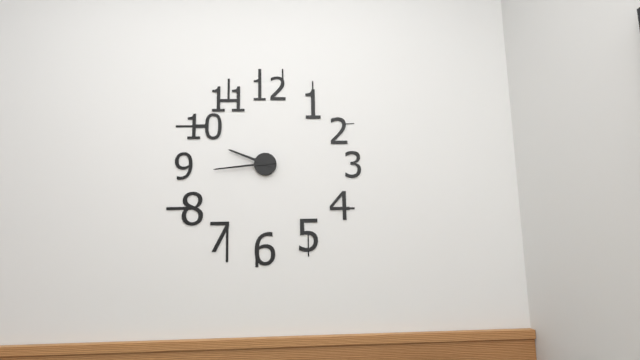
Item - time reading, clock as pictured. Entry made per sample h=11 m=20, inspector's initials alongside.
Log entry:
h=9 m=44
